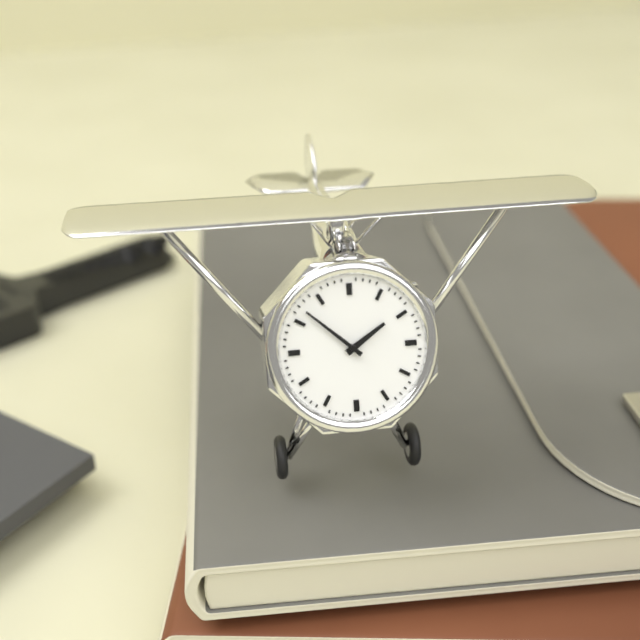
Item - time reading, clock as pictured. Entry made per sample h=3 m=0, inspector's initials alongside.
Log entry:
h=1 m=52
